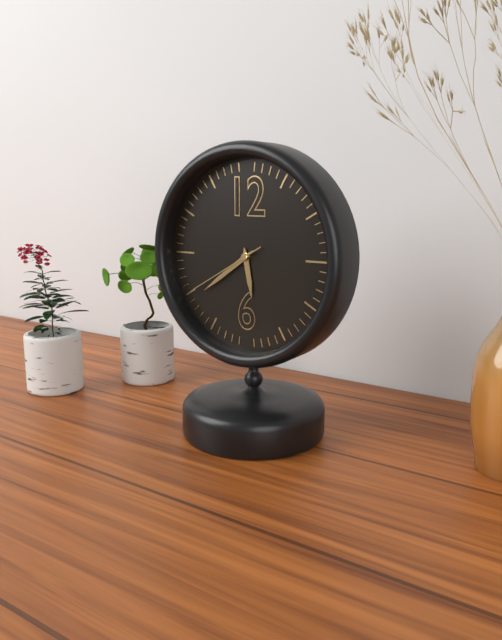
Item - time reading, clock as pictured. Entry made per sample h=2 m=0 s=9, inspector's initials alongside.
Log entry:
h=5 m=39 s=40
